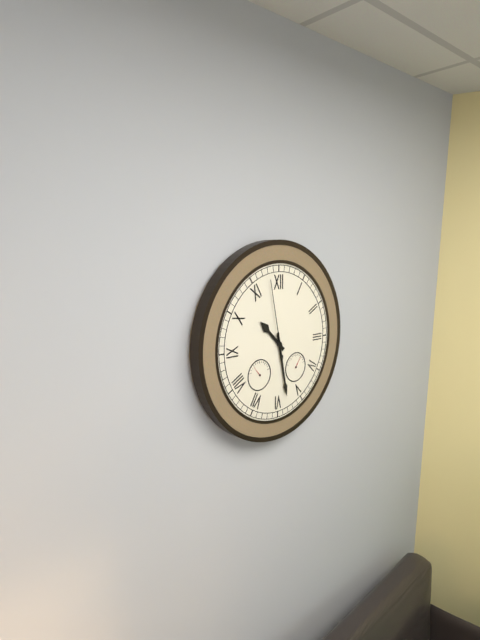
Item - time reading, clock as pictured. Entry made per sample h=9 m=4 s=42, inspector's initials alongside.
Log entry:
h=10 m=28 s=58
